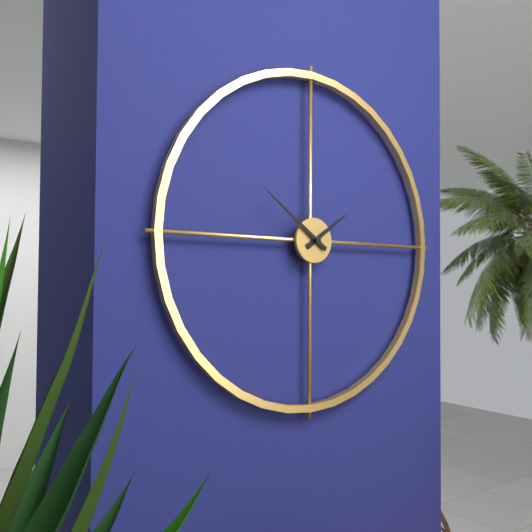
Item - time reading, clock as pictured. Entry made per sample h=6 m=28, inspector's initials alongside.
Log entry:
h=1 m=51
